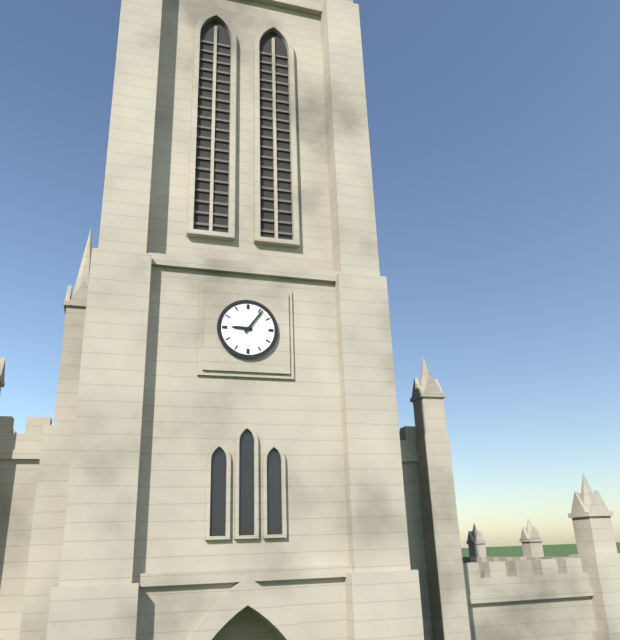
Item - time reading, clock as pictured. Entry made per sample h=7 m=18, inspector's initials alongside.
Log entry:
h=9 m=6
